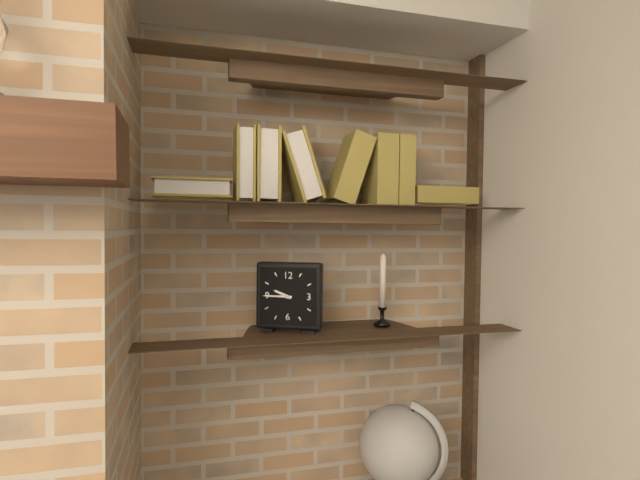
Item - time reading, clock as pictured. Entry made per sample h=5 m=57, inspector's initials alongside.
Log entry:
h=9 m=45
